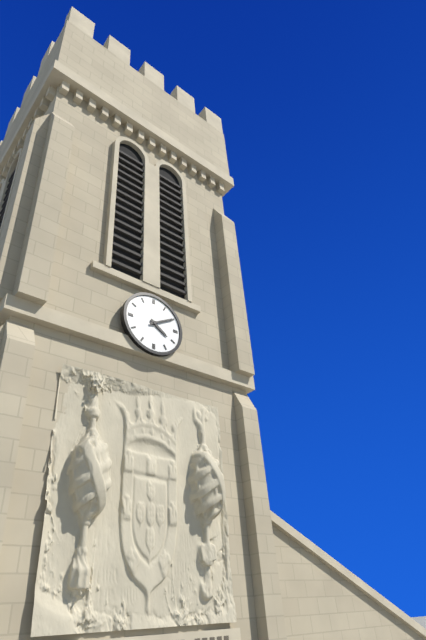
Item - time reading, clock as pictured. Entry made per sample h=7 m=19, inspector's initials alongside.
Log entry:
h=4 m=10
